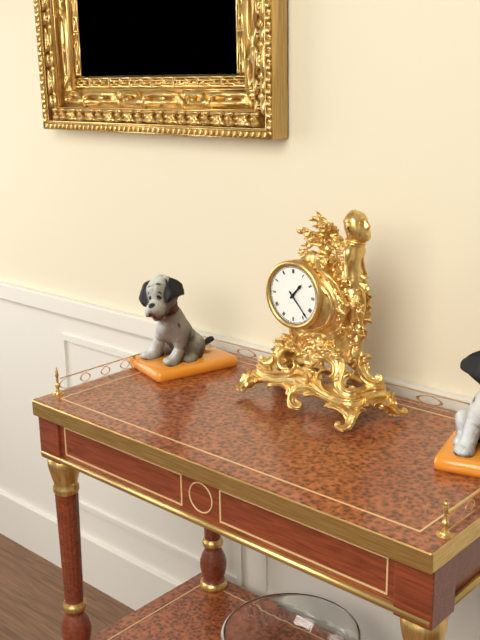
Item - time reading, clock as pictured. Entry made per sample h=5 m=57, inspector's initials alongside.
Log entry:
h=1 m=23
